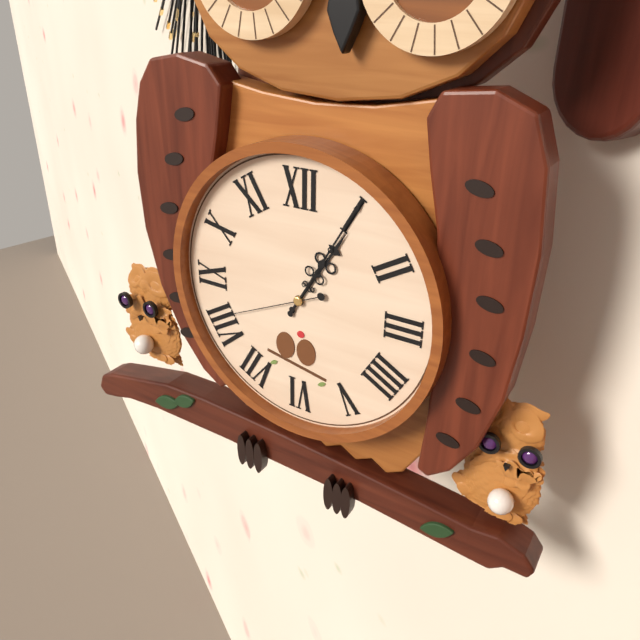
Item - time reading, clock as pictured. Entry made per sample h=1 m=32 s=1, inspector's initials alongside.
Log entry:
h=1 m=5 s=41
